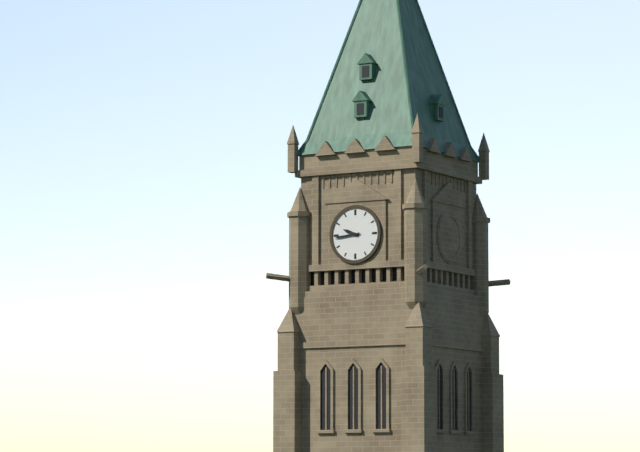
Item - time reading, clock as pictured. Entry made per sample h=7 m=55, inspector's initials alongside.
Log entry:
h=9 m=44
